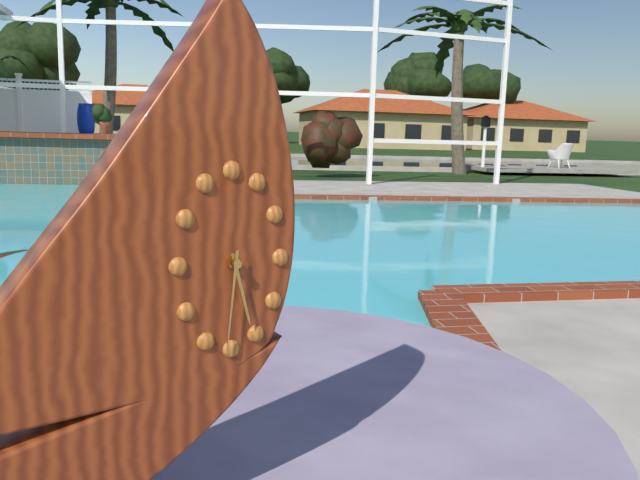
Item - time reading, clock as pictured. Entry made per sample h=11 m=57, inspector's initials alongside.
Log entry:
h=5 m=31
